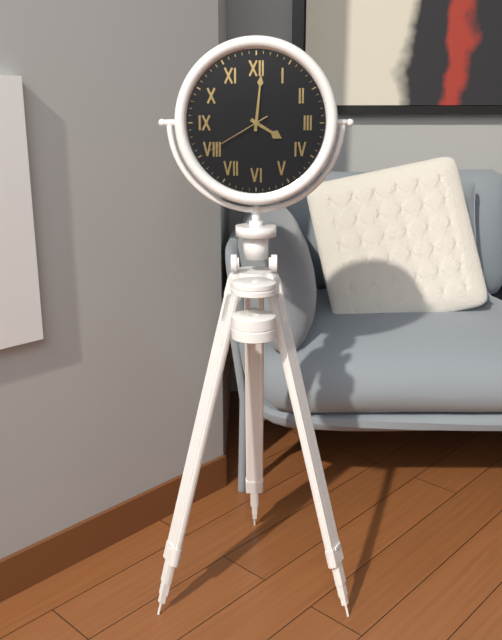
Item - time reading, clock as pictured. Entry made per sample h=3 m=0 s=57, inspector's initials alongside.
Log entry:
h=4 m=1 s=40
